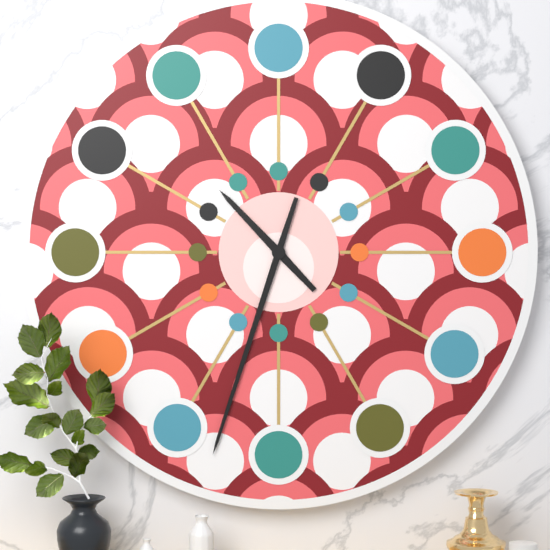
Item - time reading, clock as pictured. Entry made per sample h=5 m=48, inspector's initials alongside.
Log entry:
h=10 m=33
